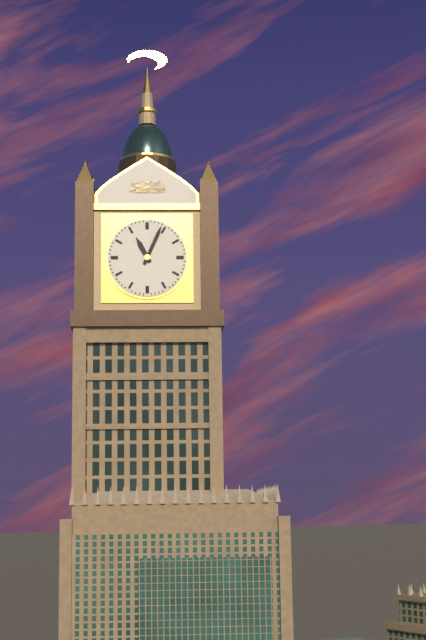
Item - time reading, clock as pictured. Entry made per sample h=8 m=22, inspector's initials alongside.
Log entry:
h=11 m=4
